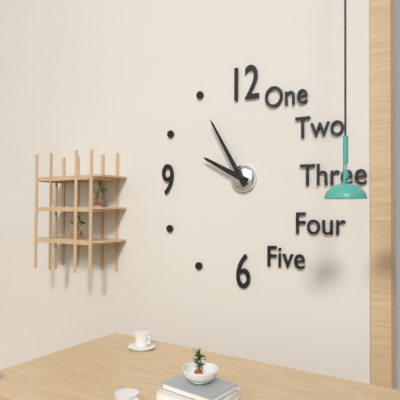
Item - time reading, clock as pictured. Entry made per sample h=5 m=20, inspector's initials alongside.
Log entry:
h=9 m=55
